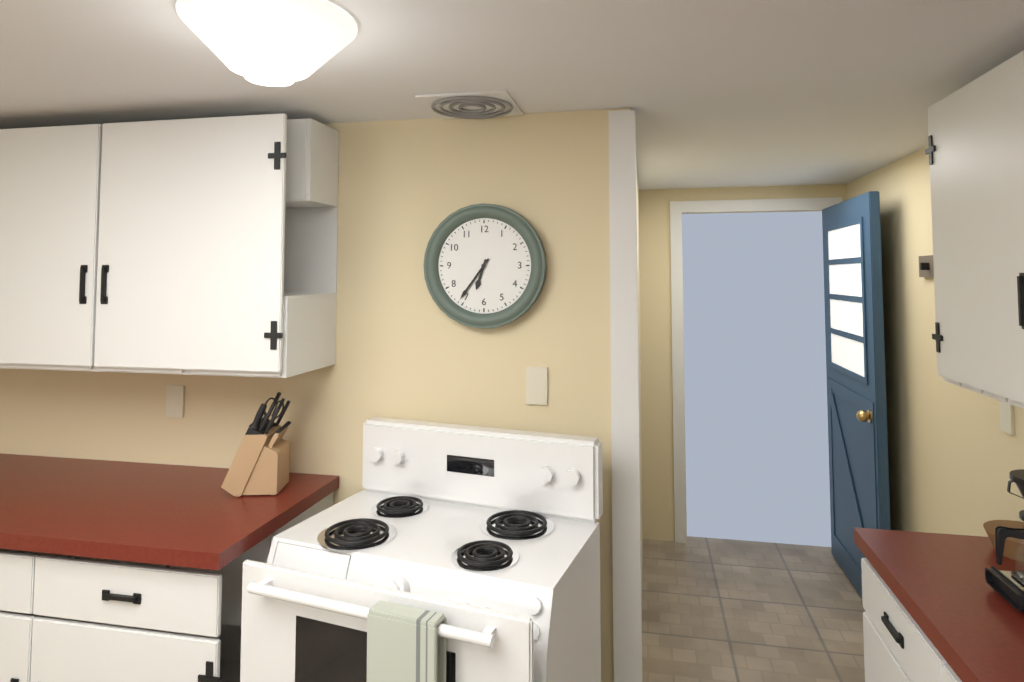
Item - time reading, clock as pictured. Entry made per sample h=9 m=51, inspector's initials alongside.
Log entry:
h=6 m=36
